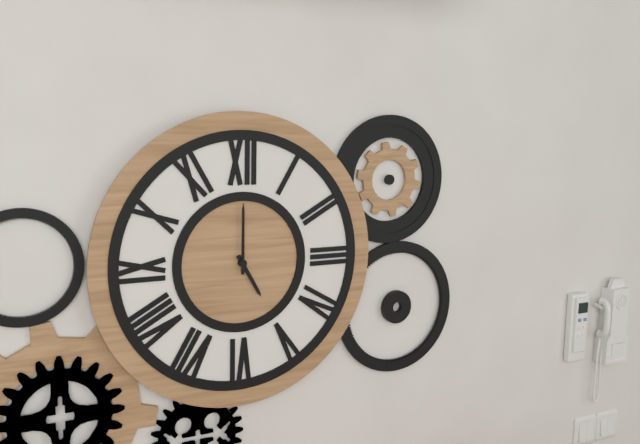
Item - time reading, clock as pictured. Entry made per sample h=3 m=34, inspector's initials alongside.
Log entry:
h=5 m=0
